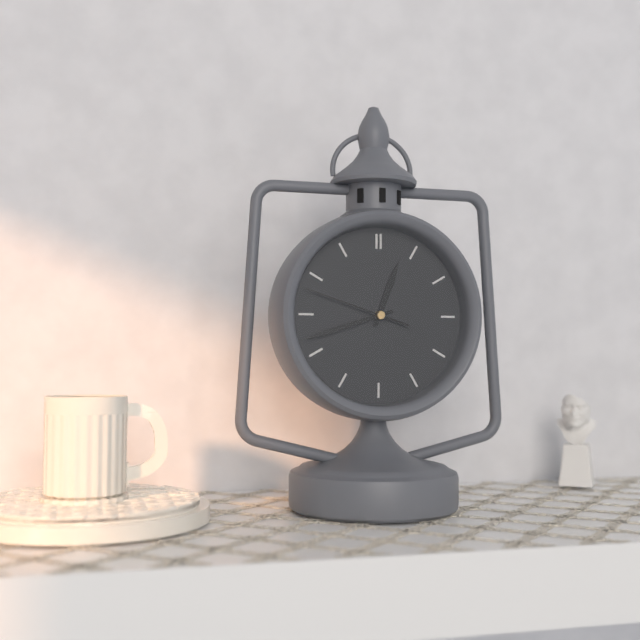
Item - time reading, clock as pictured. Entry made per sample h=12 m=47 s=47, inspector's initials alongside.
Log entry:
h=12 m=42 s=48
